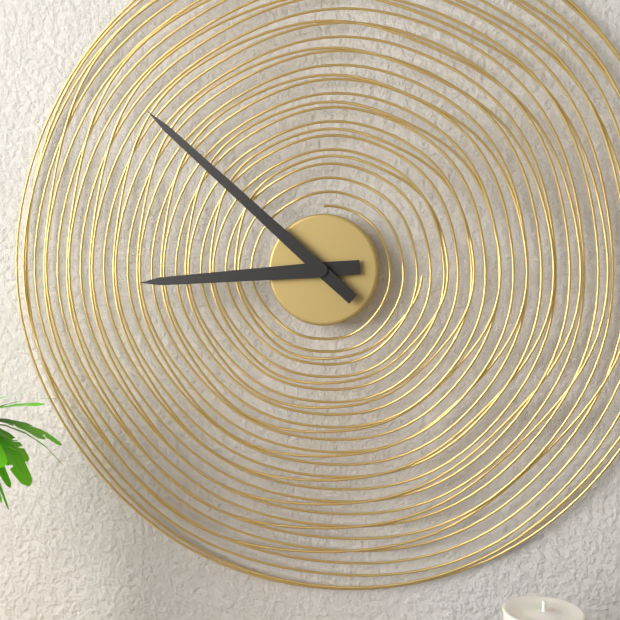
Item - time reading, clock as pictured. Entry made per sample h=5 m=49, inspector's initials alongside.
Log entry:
h=8 m=52
